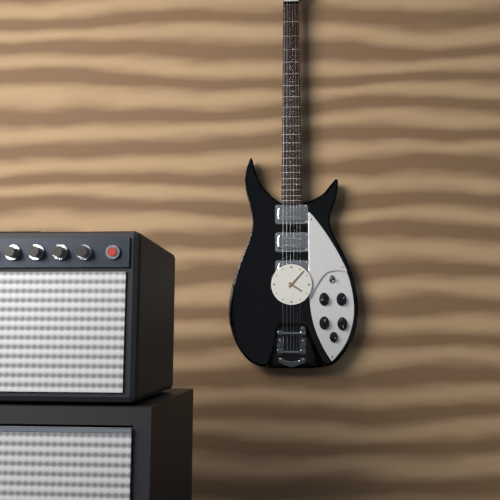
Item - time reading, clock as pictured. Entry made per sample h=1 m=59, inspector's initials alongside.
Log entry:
h=4 m=7
